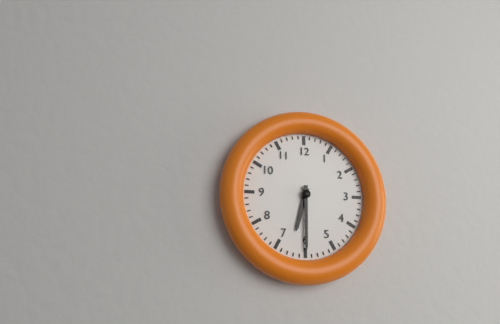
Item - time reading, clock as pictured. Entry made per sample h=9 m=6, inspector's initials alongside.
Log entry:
h=6 m=30
